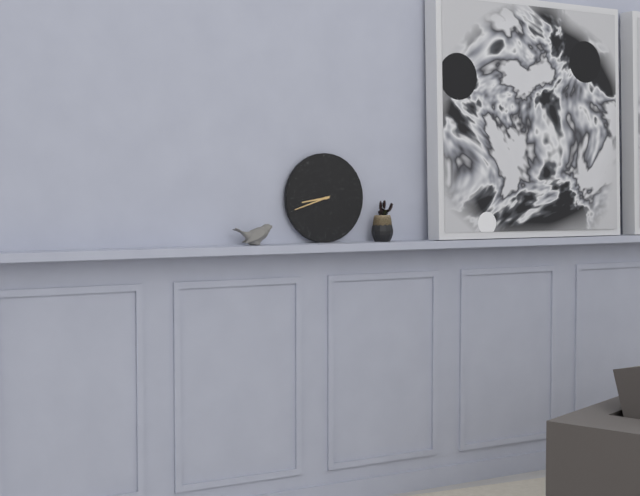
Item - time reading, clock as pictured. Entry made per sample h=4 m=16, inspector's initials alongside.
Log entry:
h=8 m=42
